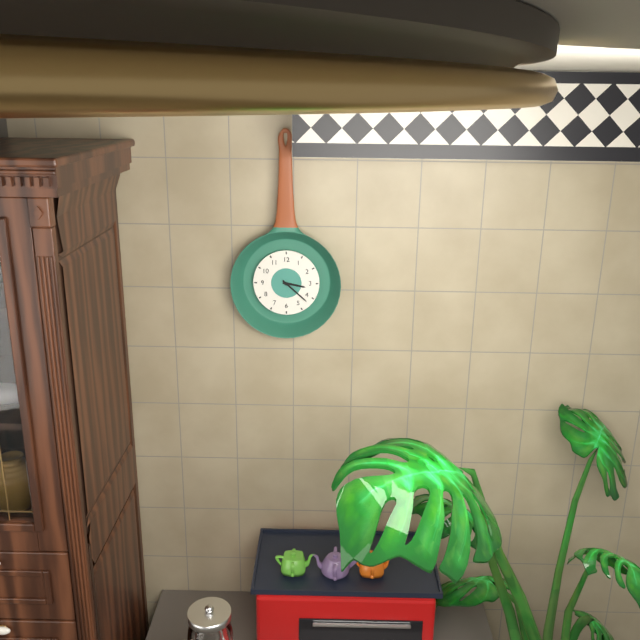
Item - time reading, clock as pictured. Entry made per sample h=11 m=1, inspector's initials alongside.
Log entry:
h=3 m=22
